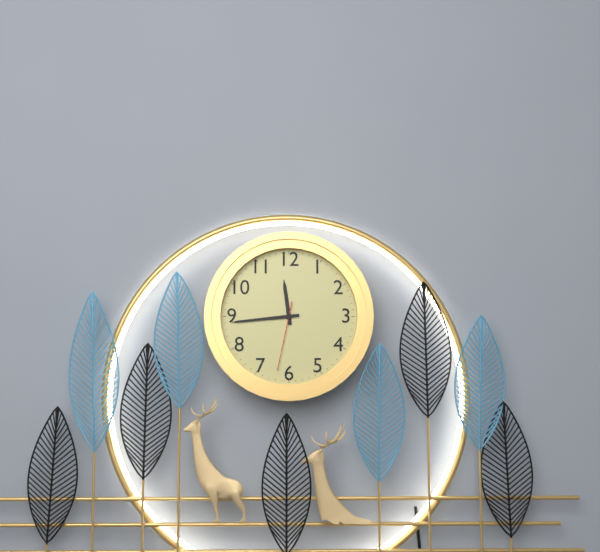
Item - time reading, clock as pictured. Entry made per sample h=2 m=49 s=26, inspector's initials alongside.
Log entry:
h=11 m=44 s=32
